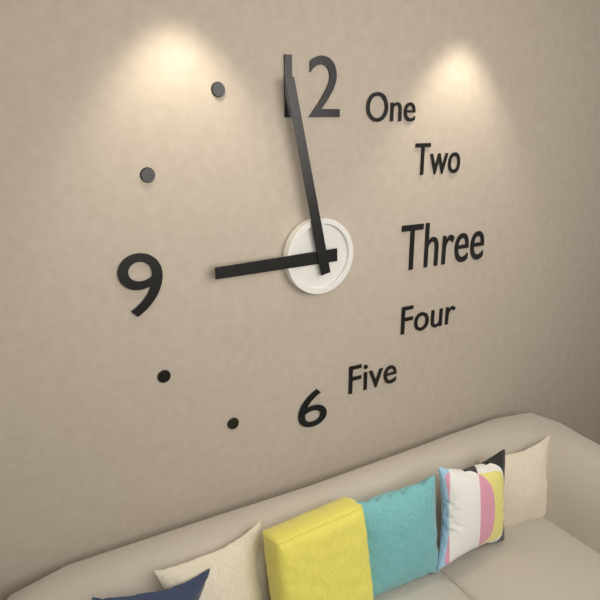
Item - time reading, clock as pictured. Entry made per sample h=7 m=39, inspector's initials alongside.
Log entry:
h=8 m=58
